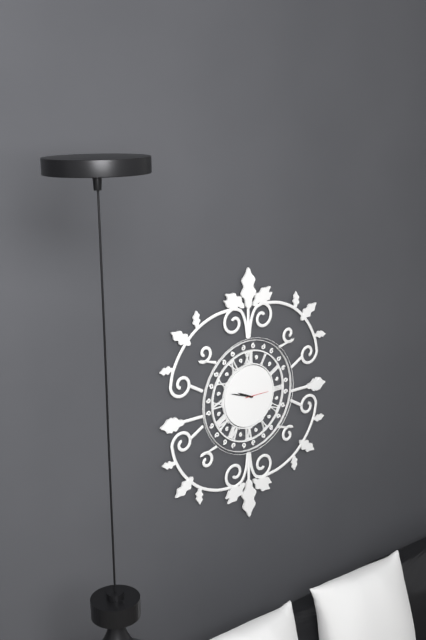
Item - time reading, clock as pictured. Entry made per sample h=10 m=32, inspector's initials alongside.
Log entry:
h=9 m=48
